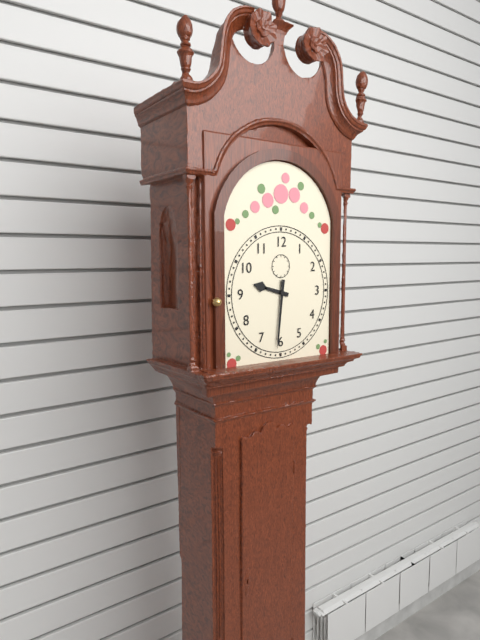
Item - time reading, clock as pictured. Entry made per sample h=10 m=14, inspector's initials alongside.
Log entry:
h=9 m=31
